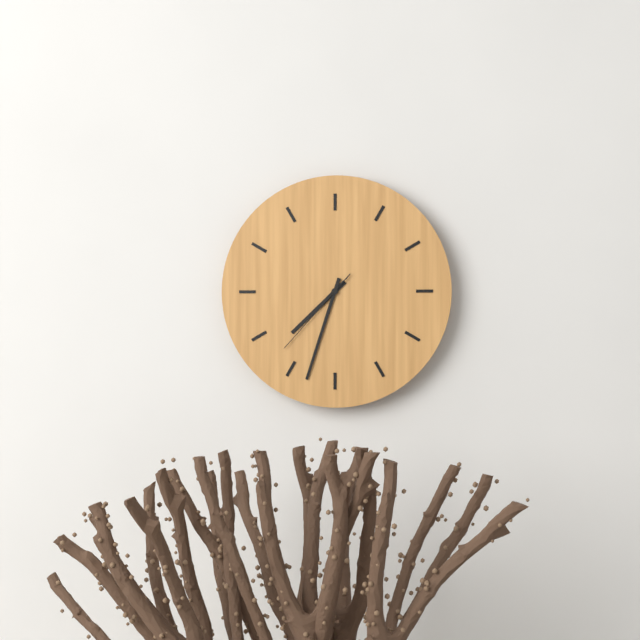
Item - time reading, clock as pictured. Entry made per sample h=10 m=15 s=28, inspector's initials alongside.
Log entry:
h=7 m=33 s=37
